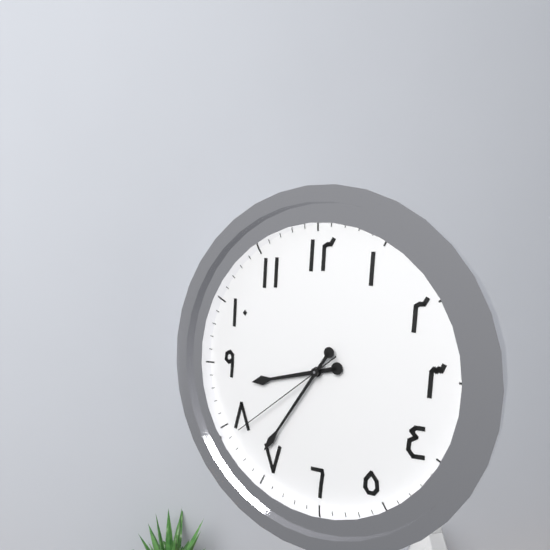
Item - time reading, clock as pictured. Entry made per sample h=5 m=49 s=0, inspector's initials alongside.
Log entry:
h=8 m=36 s=39
